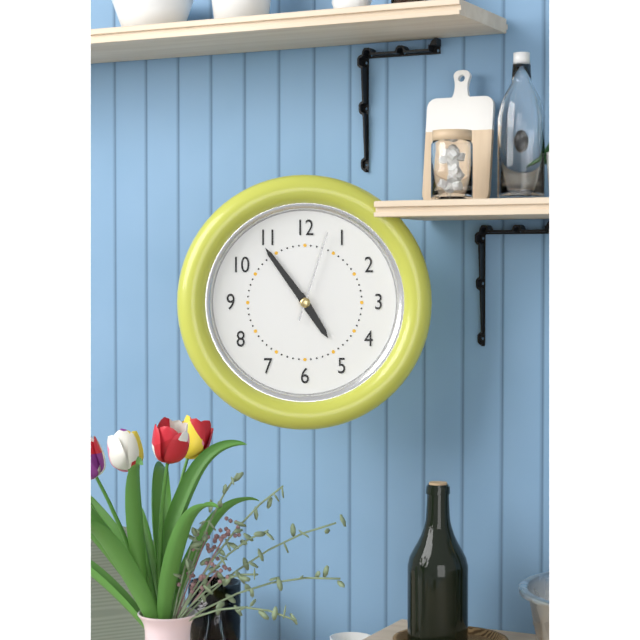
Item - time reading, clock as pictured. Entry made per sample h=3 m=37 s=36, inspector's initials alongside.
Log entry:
h=4 m=54 s=3
